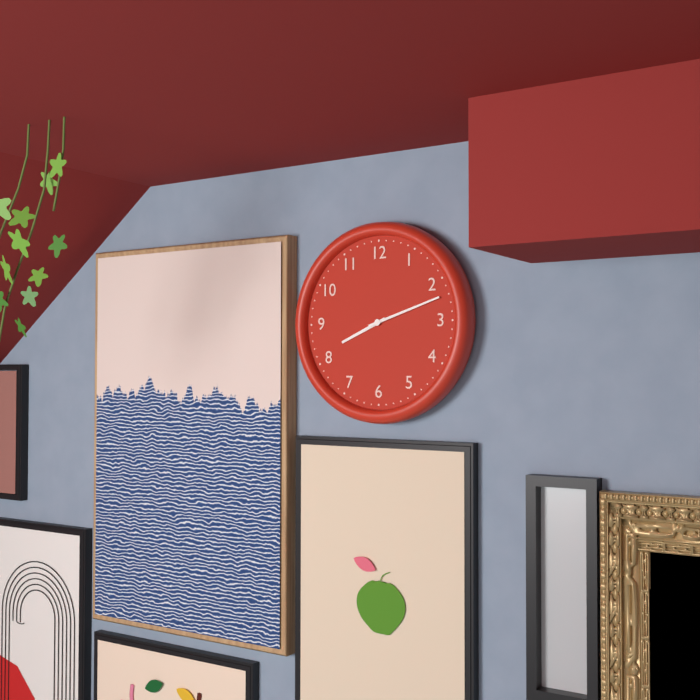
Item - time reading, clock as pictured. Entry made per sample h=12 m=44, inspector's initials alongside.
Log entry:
h=8 m=12
